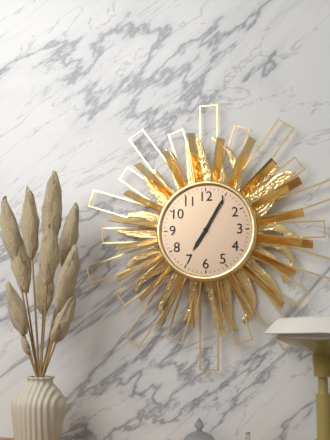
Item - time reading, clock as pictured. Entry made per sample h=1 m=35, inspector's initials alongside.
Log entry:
h=7 m=5
